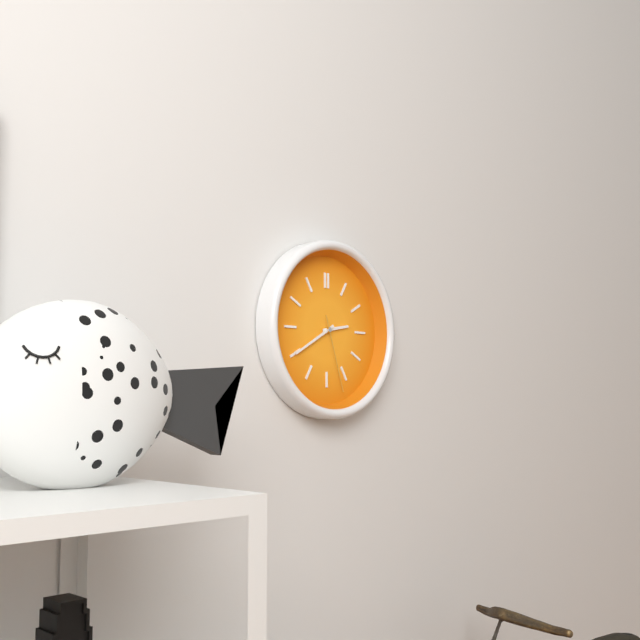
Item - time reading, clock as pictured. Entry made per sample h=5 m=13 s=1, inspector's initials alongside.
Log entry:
h=2 m=40 s=27
